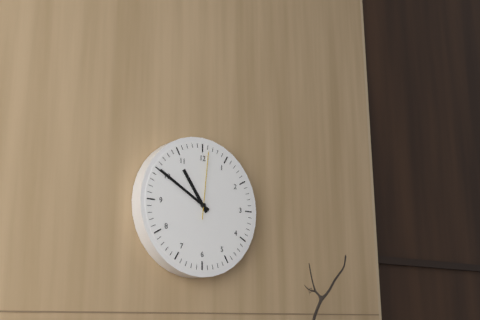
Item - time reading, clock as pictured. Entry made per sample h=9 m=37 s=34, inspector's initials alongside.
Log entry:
h=10 m=50 s=1
